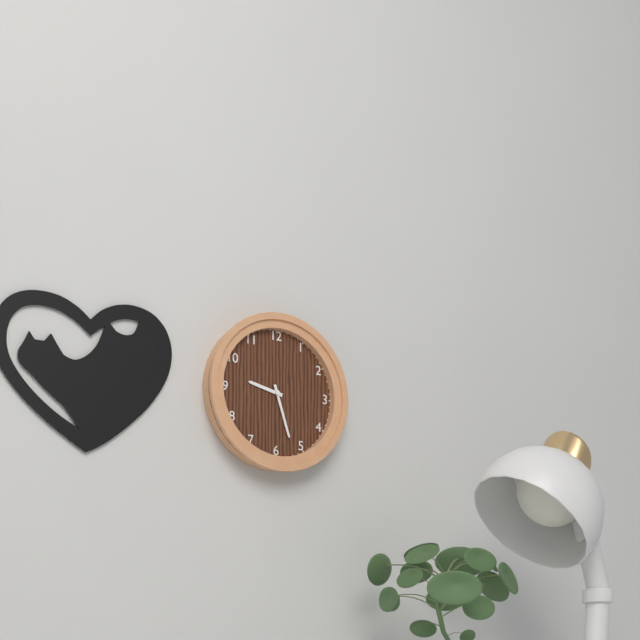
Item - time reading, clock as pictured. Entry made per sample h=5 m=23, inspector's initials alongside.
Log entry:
h=9 m=27
